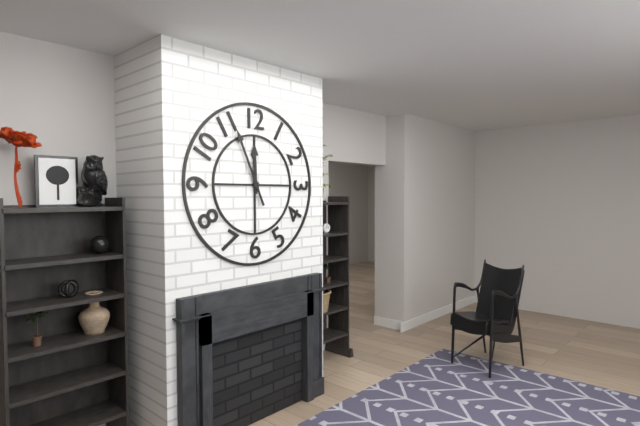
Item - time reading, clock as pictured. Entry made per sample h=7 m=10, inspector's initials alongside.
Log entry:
h=11 m=56
